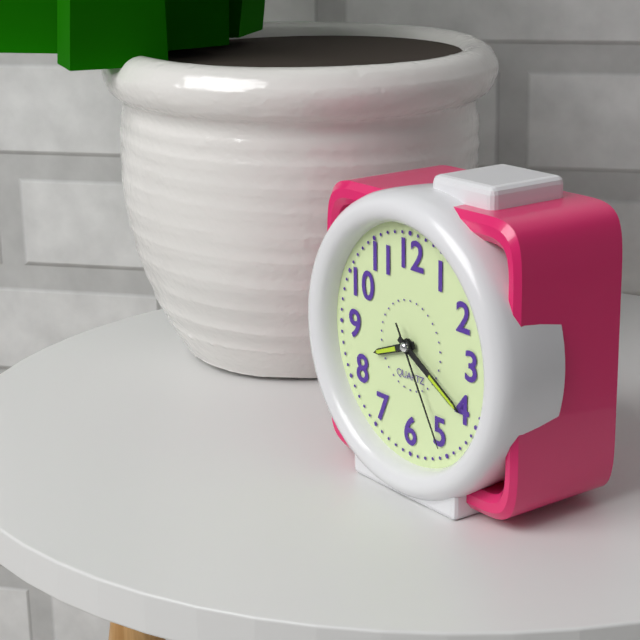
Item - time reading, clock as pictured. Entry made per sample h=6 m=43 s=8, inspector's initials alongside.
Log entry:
h=8 m=20 s=25
